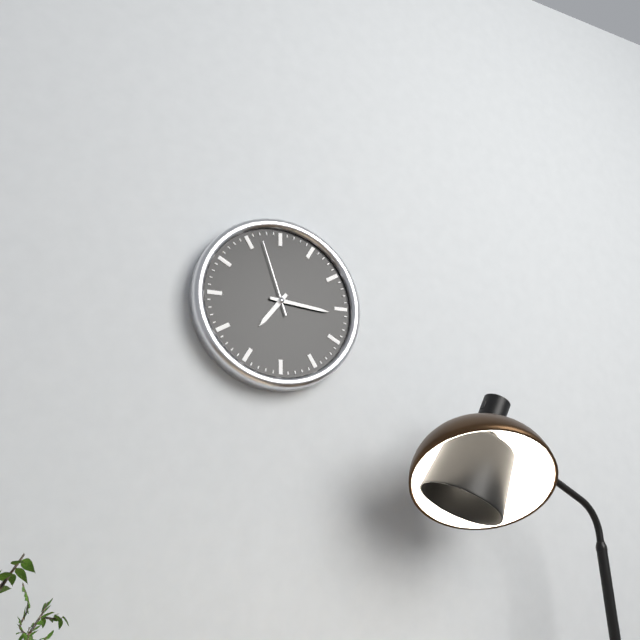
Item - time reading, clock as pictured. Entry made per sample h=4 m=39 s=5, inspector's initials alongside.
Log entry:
h=7 m=16 s=57
